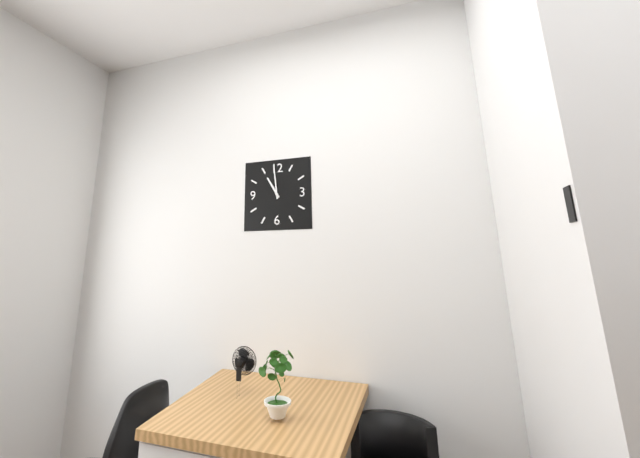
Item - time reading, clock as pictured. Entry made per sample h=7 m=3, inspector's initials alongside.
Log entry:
h=10 m=59
